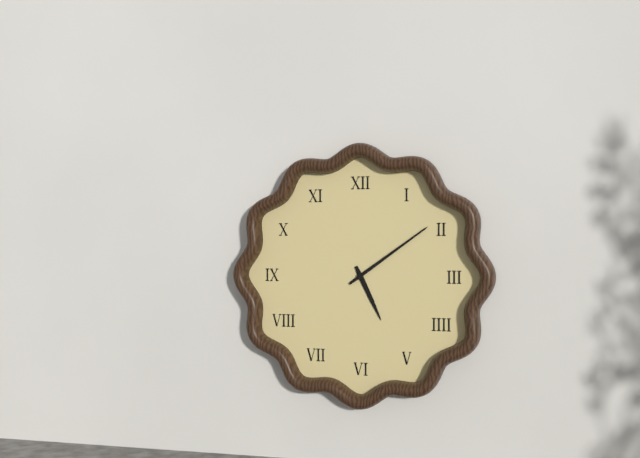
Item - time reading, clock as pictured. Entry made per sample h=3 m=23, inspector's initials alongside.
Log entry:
h=5 m=9
